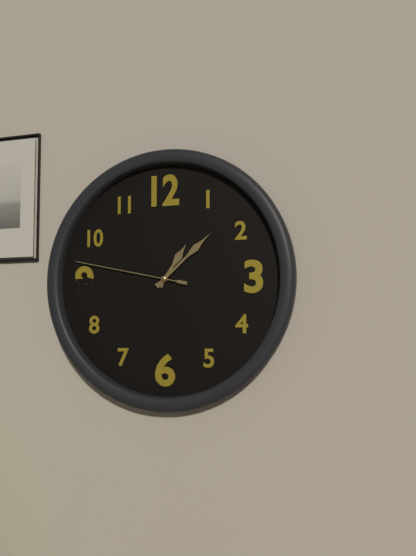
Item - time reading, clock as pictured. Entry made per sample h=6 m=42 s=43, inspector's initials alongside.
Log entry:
h=1 m=8 s=47
